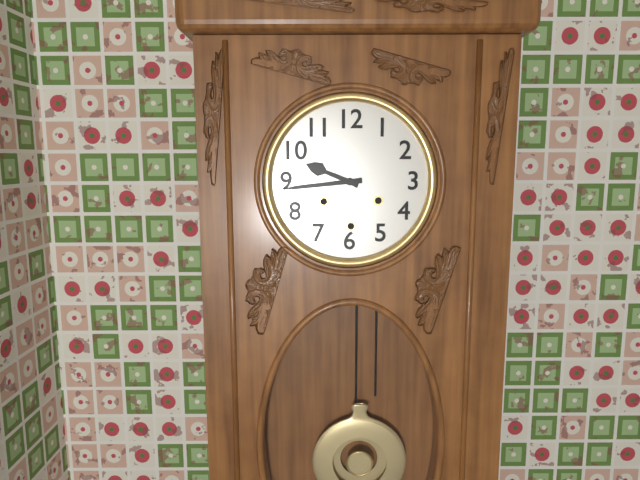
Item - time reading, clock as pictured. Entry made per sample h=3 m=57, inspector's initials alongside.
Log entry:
h=9 m=44
